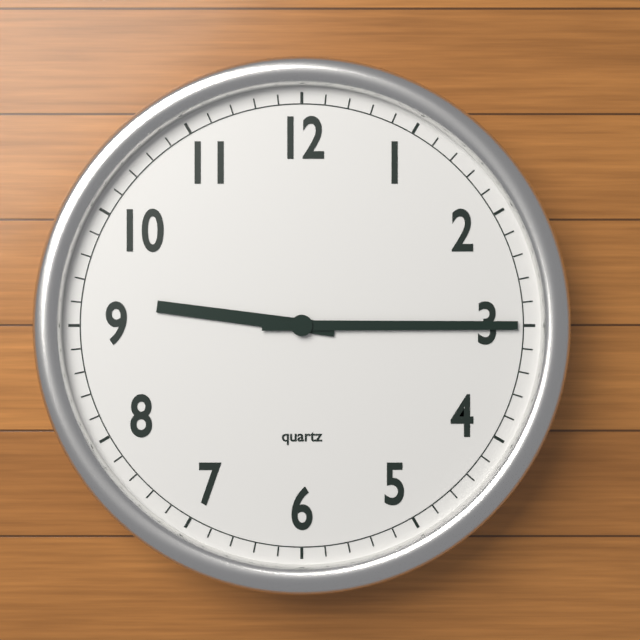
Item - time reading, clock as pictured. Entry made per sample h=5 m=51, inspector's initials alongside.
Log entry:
h=9 m=15
